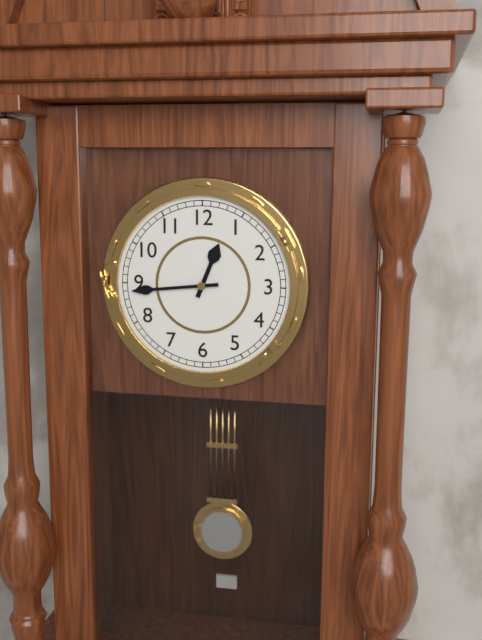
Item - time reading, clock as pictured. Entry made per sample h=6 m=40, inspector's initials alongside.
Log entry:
h=12 m=44
